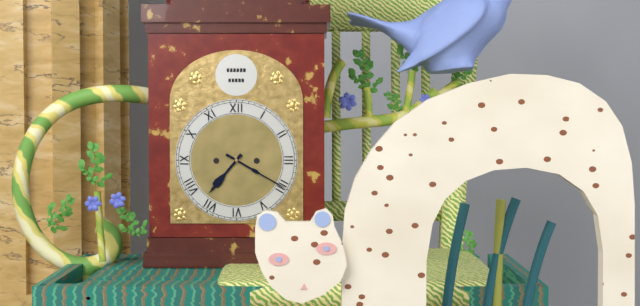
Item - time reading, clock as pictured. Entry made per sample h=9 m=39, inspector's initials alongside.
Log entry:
h=7 m=20
